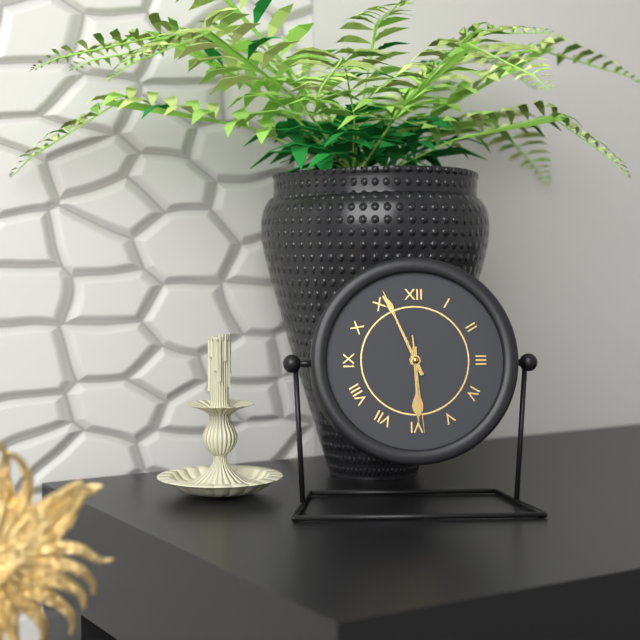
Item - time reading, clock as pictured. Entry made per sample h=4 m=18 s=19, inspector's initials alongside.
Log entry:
h=5 m=56 s=29
